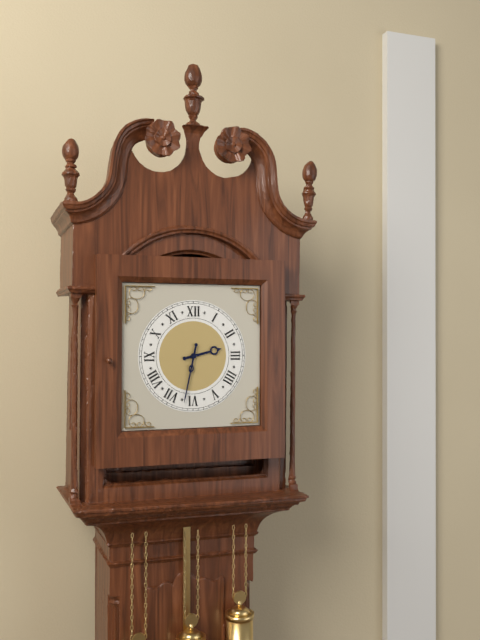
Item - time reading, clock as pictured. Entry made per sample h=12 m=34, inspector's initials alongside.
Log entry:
h=2 m=32
